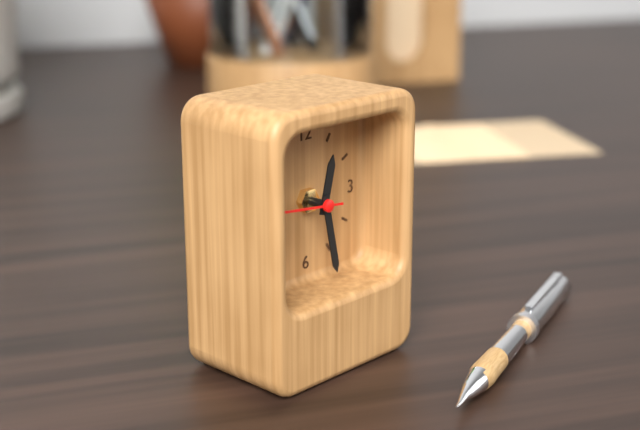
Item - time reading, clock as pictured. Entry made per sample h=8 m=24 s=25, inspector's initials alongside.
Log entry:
h=12 m=28 s=46
